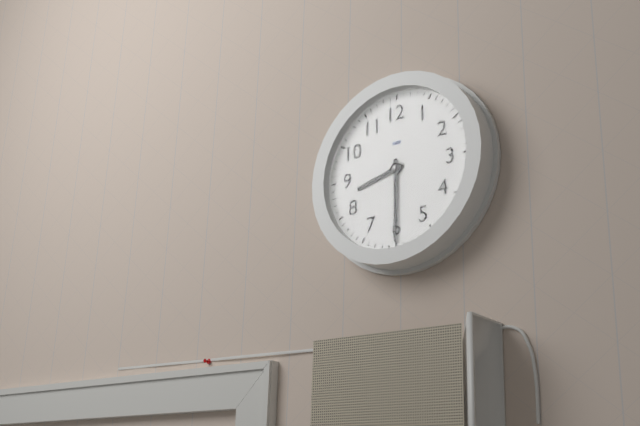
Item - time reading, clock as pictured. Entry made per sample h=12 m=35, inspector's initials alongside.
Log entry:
h=8 m=30
